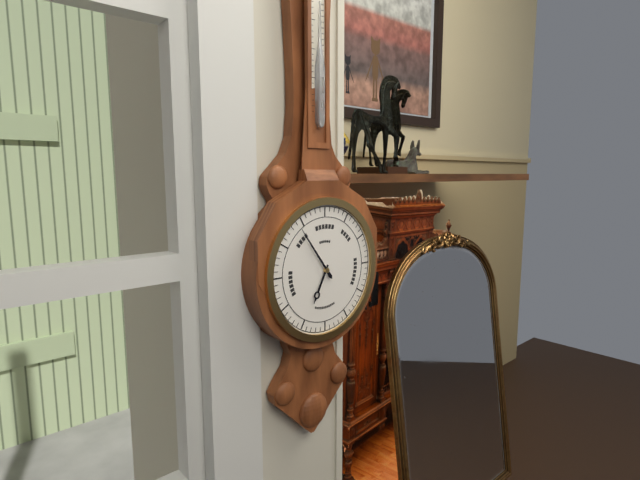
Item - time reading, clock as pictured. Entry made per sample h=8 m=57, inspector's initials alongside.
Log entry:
h=6 m=54
